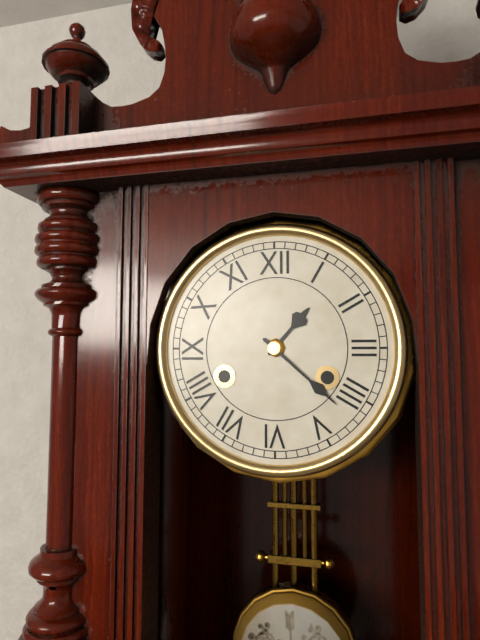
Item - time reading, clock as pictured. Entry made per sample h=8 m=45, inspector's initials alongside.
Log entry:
h=1 m=22
